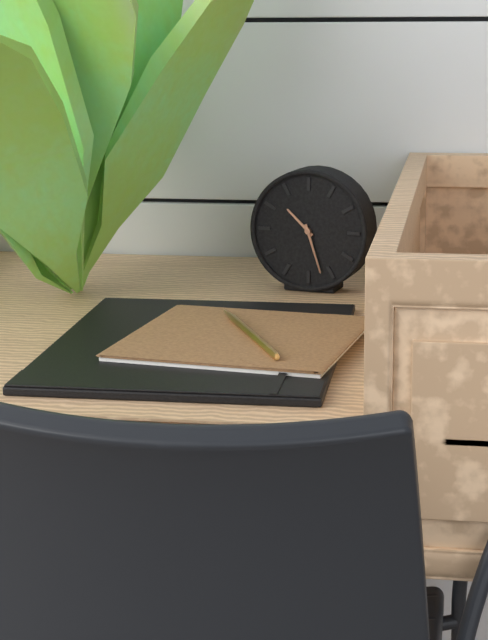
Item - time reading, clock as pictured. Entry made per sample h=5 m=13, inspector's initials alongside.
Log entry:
h=10 m=27
